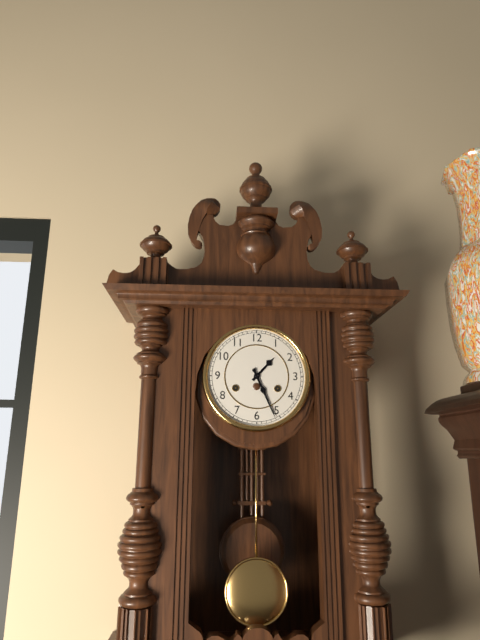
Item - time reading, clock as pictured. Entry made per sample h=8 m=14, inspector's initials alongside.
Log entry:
h=1 m=26
